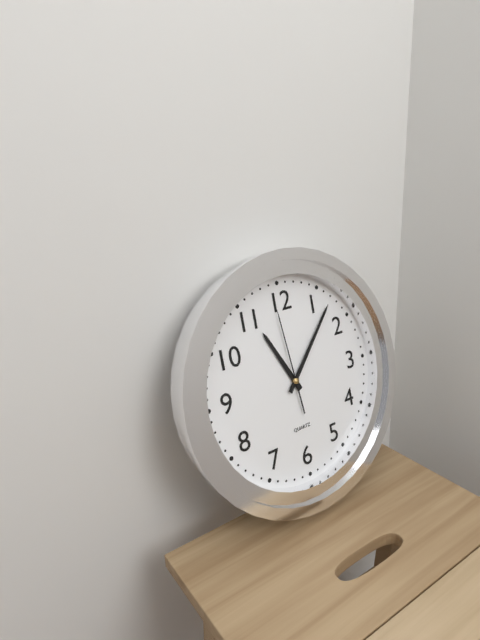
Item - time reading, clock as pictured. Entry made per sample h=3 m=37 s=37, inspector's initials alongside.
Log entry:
h=11 m=7 s=59
